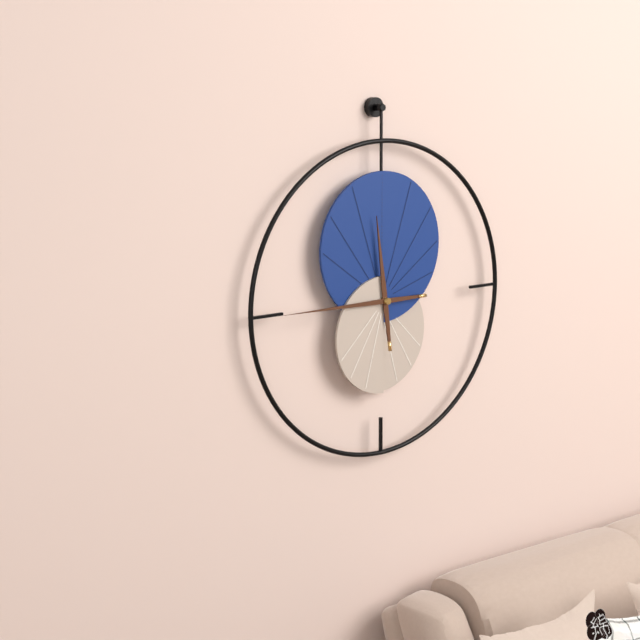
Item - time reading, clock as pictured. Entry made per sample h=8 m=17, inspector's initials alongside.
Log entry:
h=11 m=45
